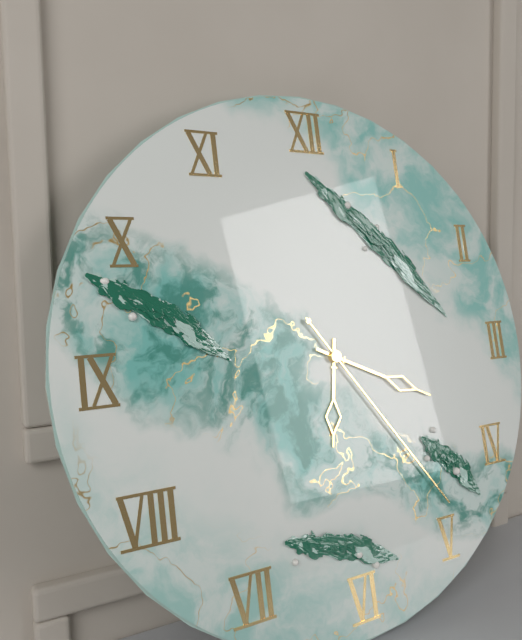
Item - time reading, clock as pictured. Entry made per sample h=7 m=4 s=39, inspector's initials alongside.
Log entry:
h=6 m=19 s=24
